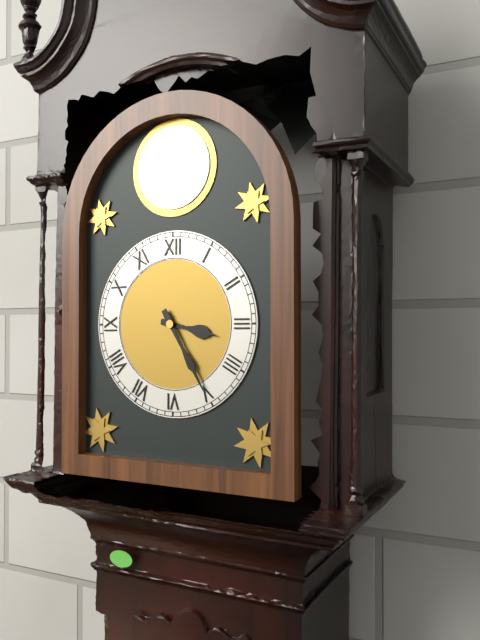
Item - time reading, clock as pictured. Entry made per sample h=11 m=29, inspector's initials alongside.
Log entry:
h=3 m=25
